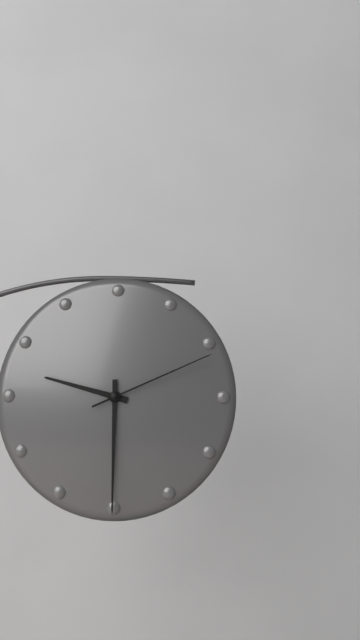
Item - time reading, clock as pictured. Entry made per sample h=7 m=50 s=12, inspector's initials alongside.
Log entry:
h=9 m=30 s=11
